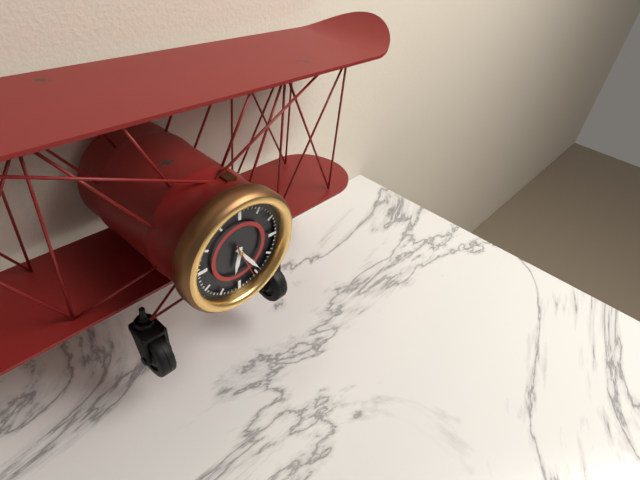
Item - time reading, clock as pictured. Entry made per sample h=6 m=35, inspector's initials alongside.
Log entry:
h=6 m=24
